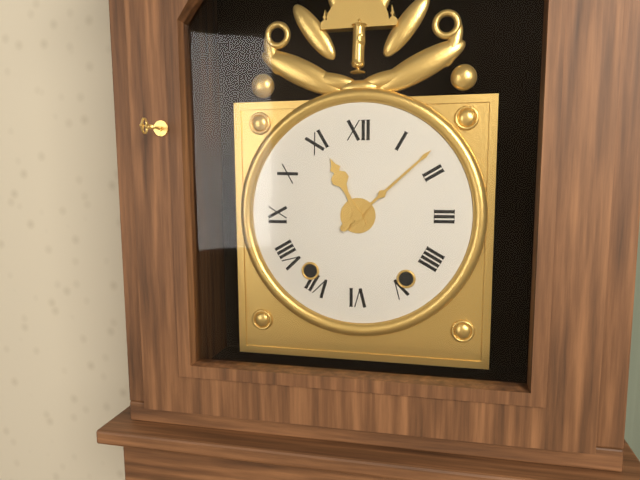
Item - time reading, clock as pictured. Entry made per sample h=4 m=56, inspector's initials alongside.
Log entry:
h=11 m=8
